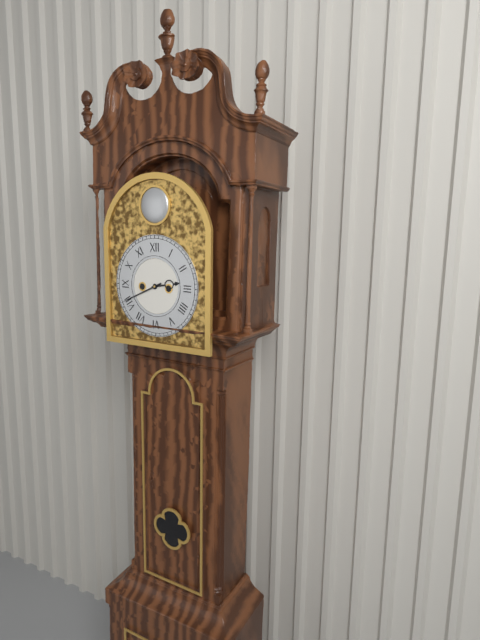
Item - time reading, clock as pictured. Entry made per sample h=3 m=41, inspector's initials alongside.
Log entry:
h=2 m=41
